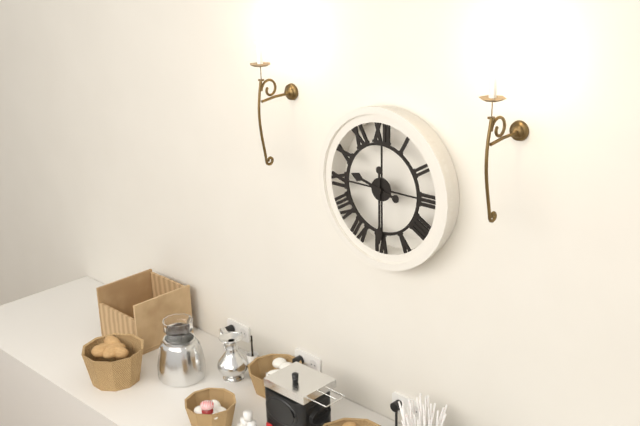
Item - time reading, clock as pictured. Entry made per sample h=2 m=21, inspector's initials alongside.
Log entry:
h=9 m=30
